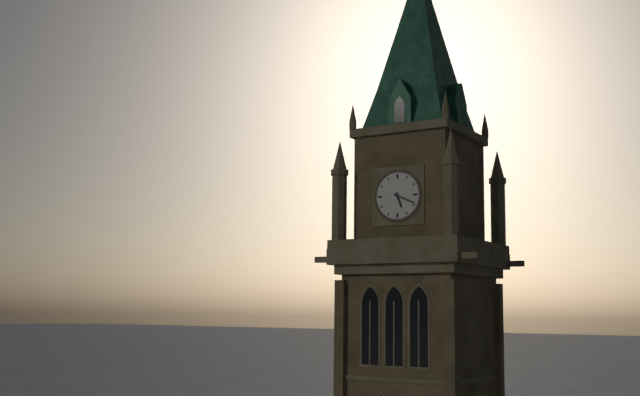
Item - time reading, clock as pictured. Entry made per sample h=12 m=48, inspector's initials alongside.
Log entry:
h=5 m=19
